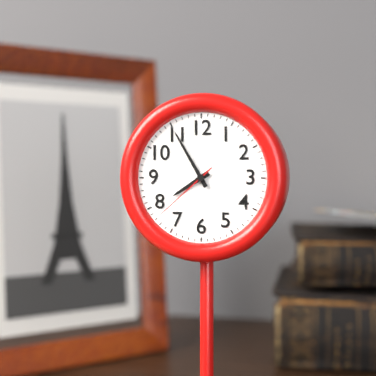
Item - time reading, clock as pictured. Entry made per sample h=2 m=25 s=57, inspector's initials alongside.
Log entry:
h=7 m=55 s=38
